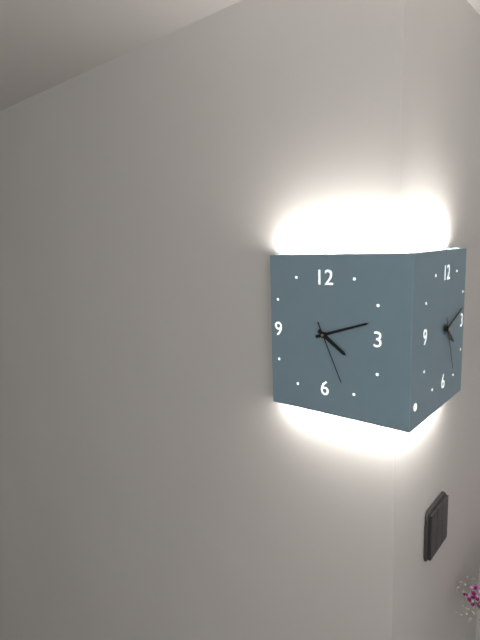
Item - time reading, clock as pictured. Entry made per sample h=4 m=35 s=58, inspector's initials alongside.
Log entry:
h=4 m=12 s=26
